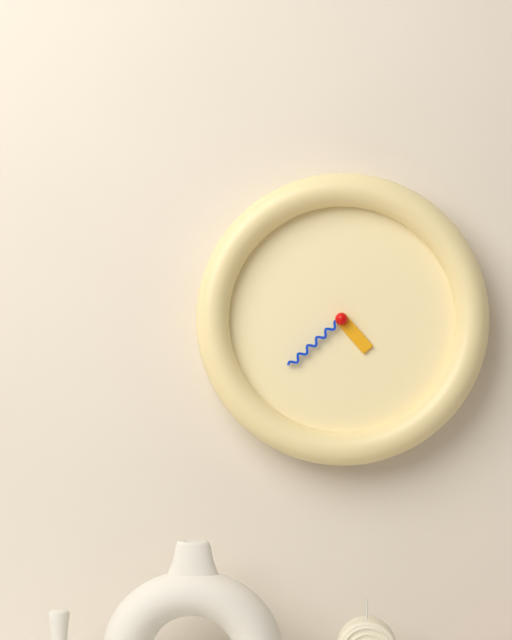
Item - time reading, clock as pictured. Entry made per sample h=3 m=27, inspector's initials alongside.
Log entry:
h=4 m=38
